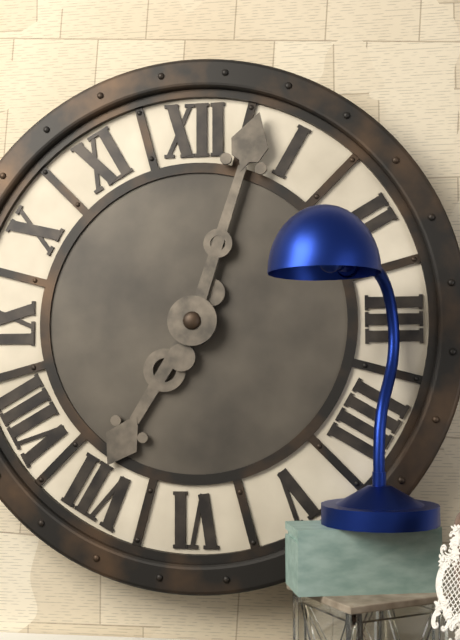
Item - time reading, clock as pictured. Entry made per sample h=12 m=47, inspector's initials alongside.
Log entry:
h=7 m=3
